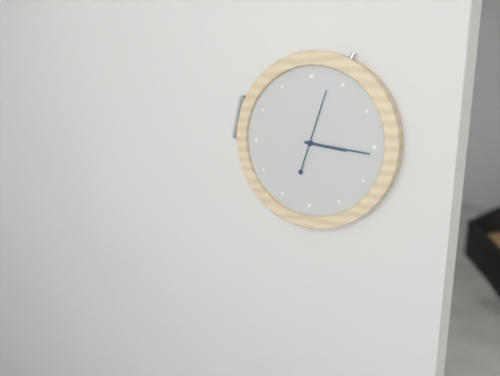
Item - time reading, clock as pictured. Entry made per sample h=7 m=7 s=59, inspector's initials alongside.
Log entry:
h=3 m=16 s=3
